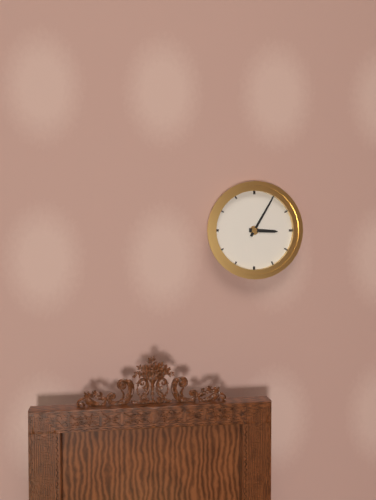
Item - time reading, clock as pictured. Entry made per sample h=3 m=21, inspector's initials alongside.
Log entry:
h=3 m=5
